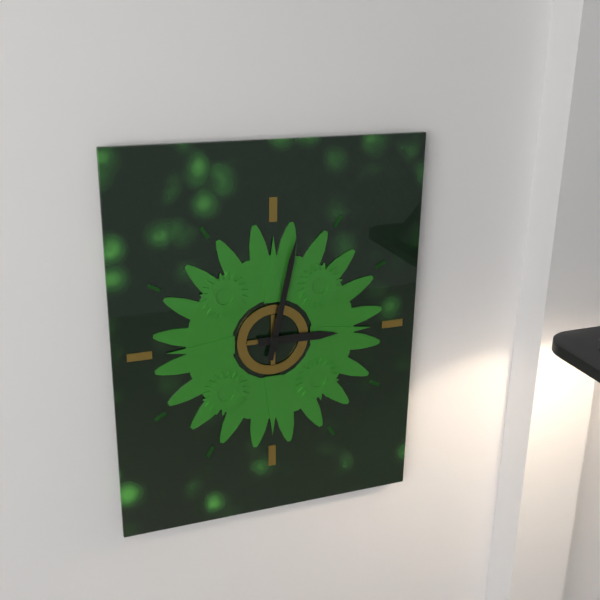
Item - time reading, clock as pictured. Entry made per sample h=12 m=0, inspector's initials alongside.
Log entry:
h=3 m=2
